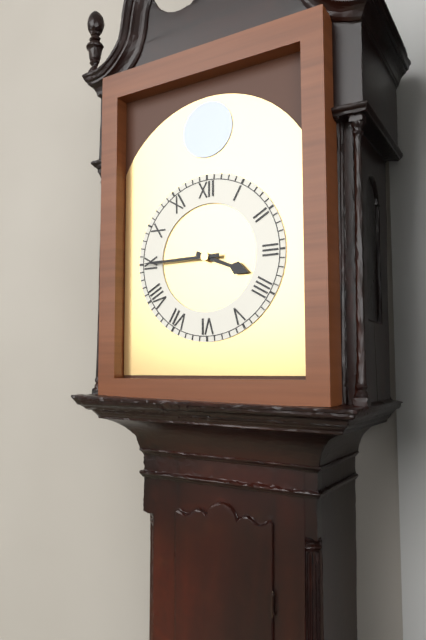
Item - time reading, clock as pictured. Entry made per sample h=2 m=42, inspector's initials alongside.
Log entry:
h=3 m=45
